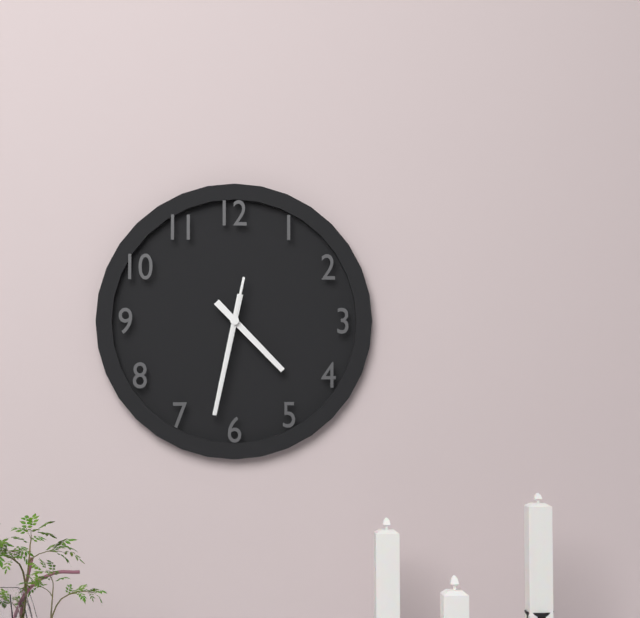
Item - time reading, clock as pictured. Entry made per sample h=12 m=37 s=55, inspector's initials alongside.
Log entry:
h=4 m=32 s=32
